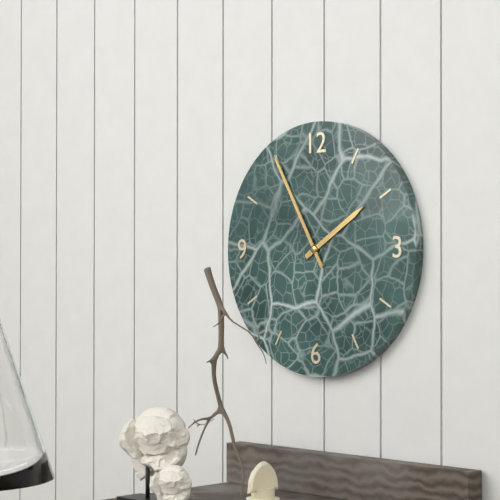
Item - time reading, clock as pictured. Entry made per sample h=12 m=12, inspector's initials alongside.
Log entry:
h=1 m=55
